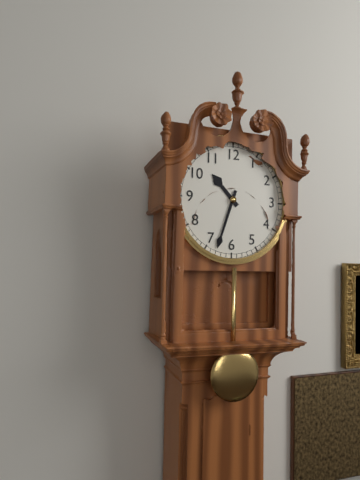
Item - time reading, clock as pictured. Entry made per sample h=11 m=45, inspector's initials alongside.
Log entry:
h=10 m=33
